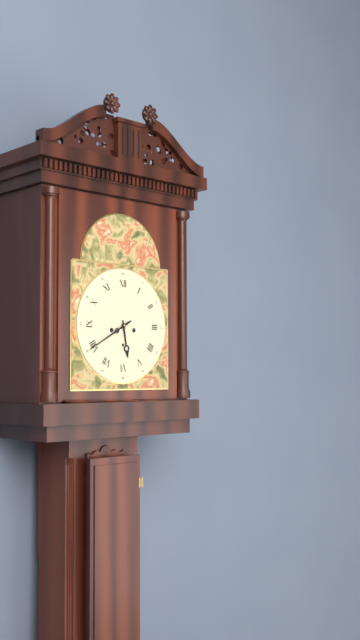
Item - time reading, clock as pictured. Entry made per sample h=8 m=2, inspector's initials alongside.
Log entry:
h=5 m=40
